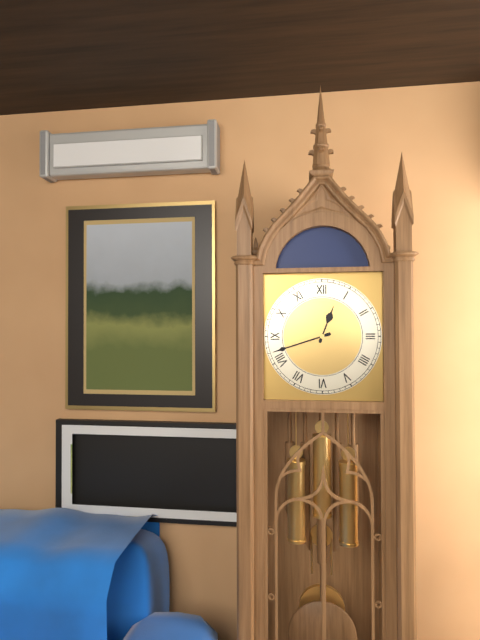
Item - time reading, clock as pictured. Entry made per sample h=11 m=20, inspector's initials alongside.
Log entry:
h=12 m=42
